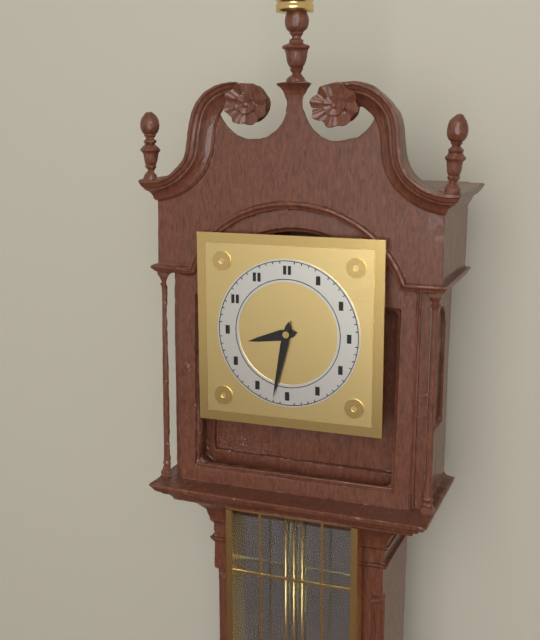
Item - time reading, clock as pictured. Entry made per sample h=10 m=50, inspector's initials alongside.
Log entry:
h=8 m=32
